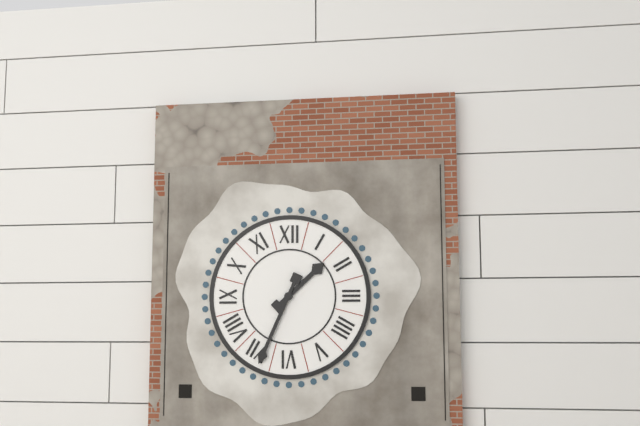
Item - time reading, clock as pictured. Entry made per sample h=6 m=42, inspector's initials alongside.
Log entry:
h=1 m=34
